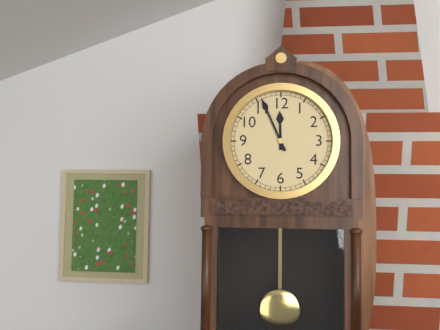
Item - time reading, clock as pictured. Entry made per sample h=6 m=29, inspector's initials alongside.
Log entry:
h=11 m=56
